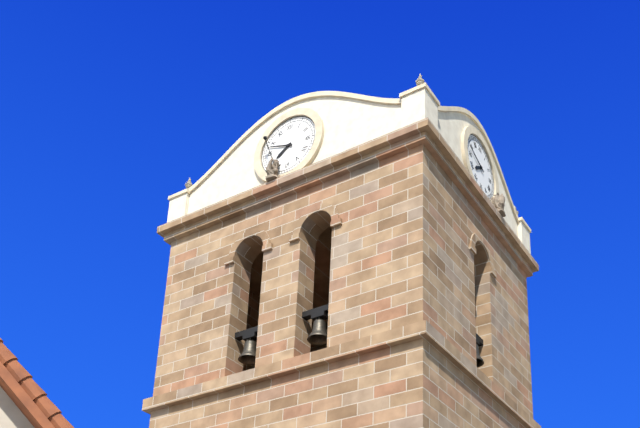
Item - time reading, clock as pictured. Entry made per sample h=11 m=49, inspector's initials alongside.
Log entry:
h=7 m=48
